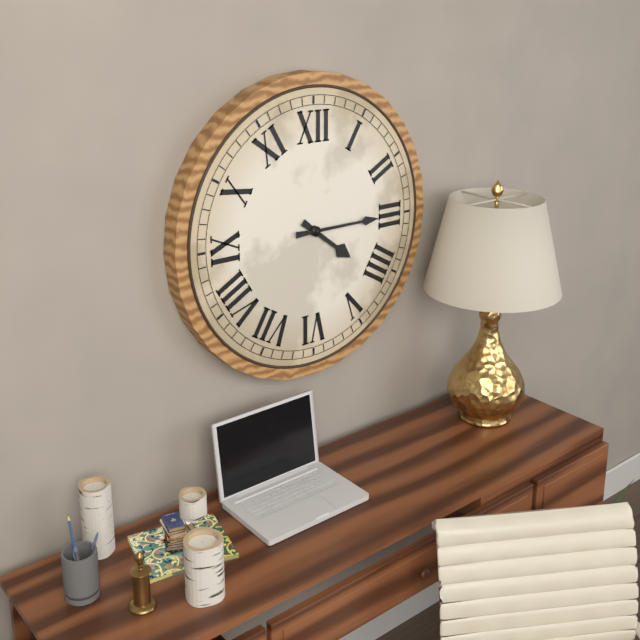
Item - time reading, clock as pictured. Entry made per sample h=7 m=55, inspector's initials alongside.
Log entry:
h=4 m=15
